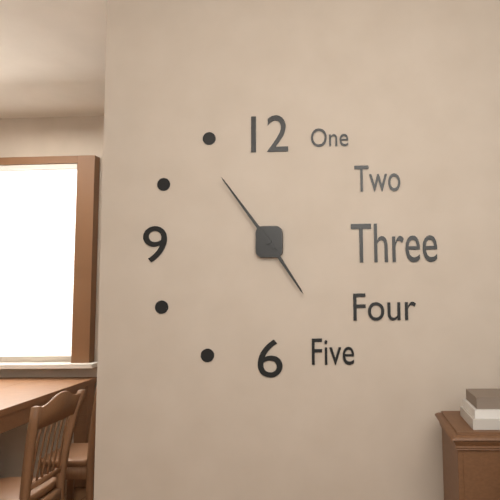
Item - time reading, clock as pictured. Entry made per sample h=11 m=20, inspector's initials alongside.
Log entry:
h=4 m=54
